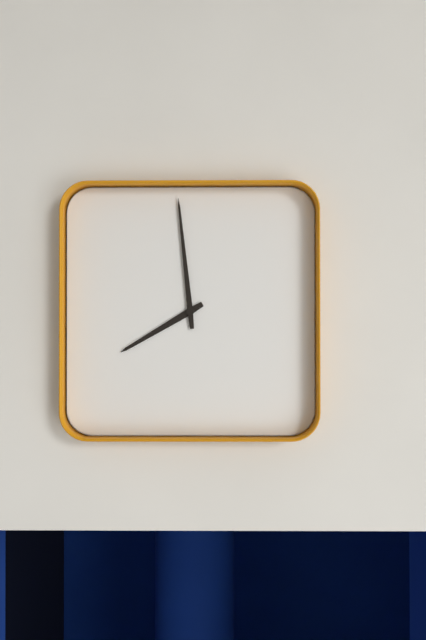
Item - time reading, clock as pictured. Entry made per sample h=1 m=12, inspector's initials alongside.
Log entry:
h=7 m=59
